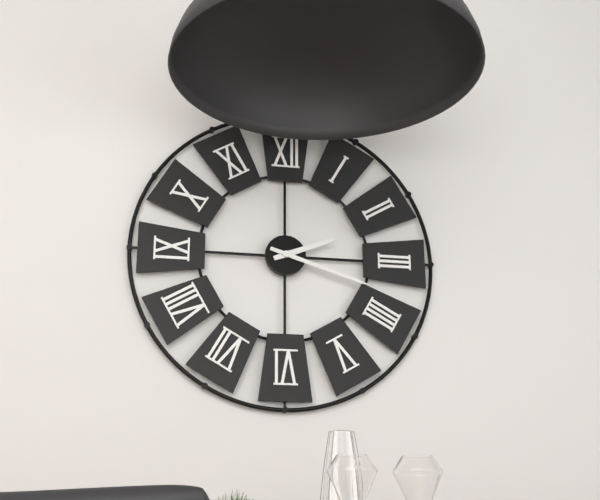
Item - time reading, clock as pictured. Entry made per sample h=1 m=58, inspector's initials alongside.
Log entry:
h=2 m=18
